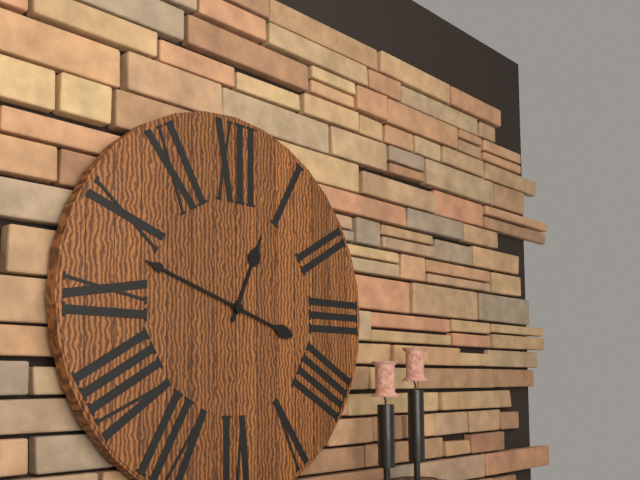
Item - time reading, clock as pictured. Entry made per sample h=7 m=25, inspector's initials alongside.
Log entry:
h=12 m=48
